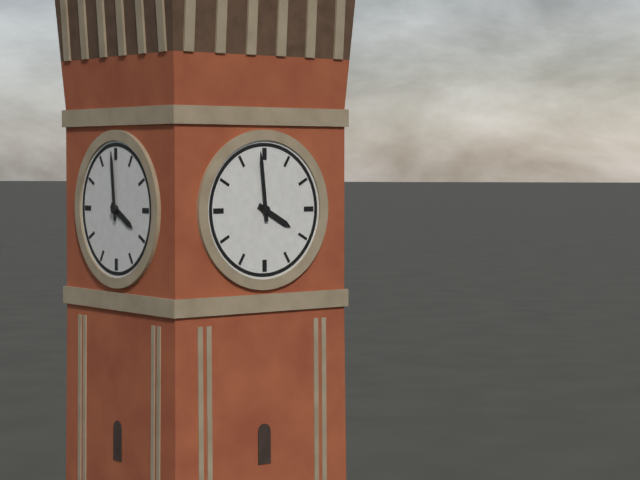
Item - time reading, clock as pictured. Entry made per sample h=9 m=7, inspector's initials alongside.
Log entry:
h=3 m=59
